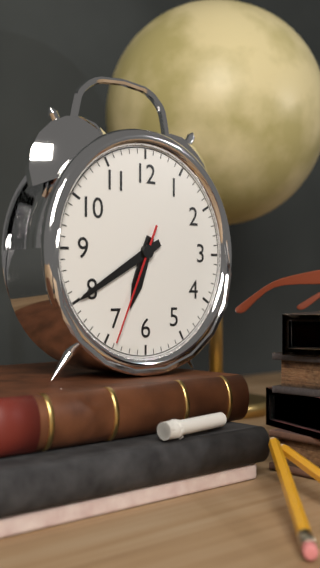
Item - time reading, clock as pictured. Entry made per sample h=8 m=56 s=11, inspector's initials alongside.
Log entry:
h=6 m=40 s=34
